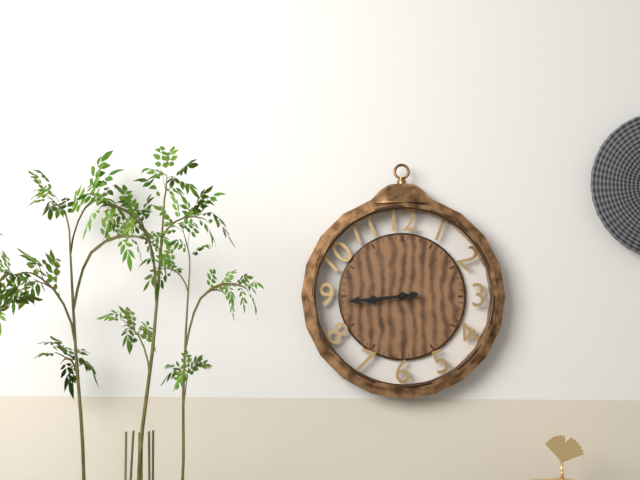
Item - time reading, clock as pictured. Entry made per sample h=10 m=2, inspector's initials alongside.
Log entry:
h=8 m=44
